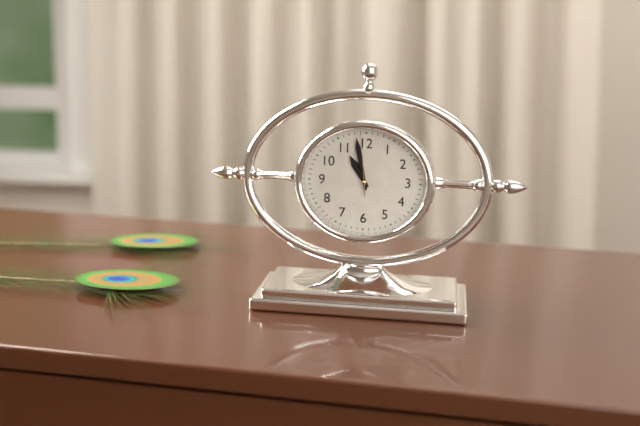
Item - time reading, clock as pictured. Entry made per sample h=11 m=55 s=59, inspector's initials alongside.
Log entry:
h=10 m=58 s=59
